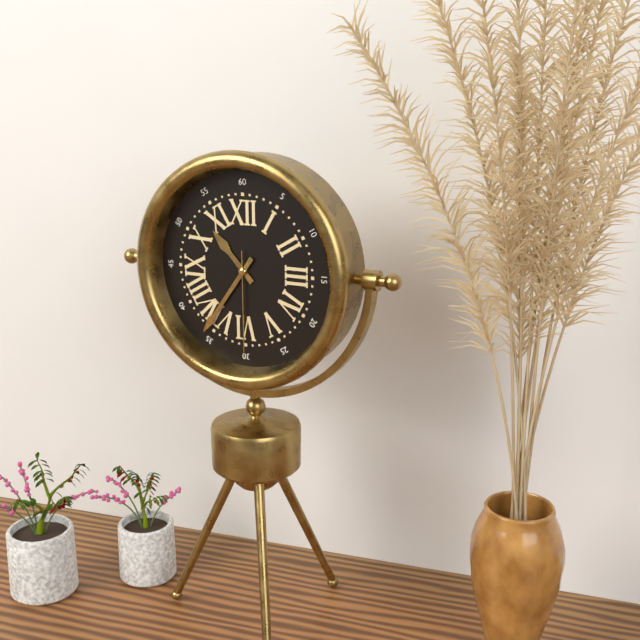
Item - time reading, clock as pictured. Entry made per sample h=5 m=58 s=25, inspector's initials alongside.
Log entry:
h=10 m=36 s=30
